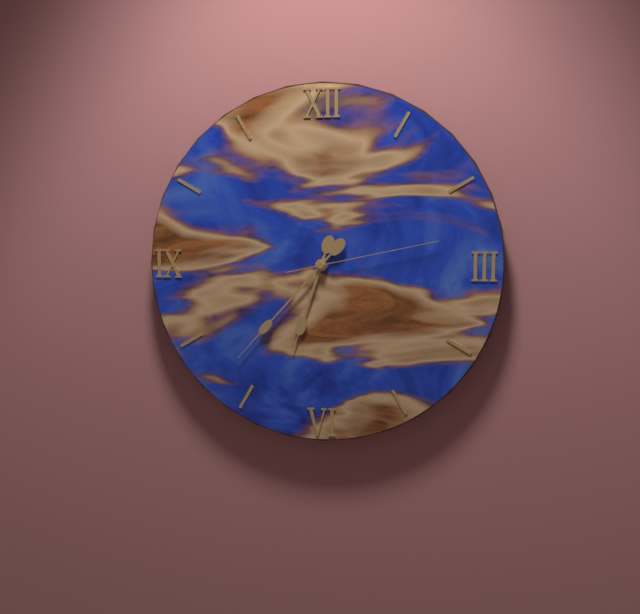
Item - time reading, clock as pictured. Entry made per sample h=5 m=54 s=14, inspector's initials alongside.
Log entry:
h=6 m=37 s=13
